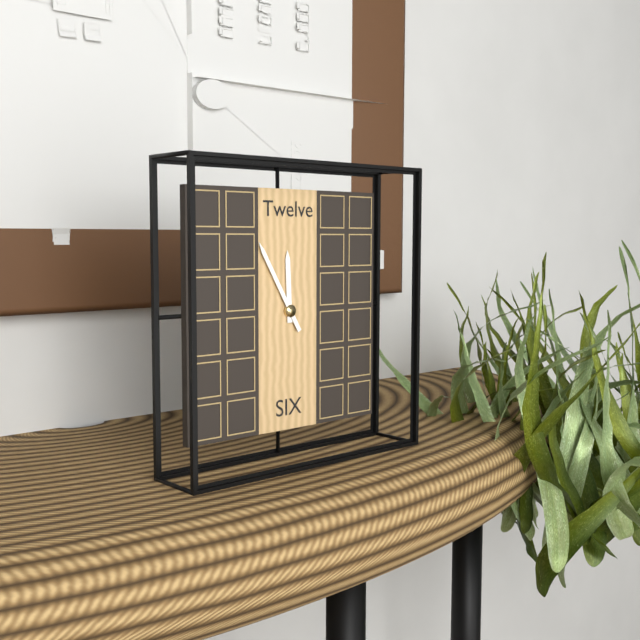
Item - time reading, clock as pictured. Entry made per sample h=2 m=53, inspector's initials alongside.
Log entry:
h=11 m=55
